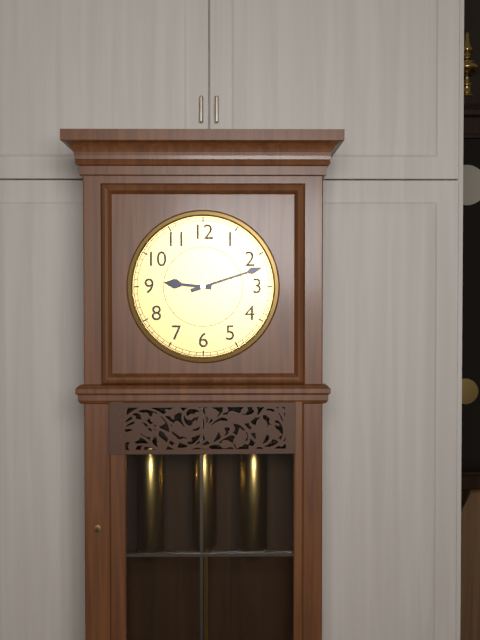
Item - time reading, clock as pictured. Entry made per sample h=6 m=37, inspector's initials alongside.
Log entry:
h=9 m=12
